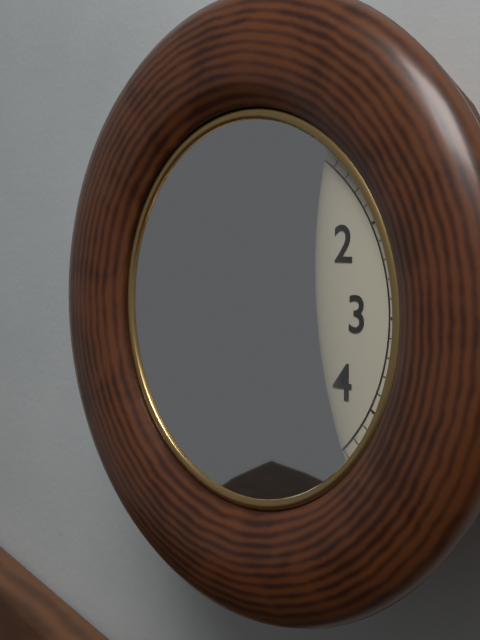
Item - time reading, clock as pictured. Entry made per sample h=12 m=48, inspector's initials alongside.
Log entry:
h=10 m=51
